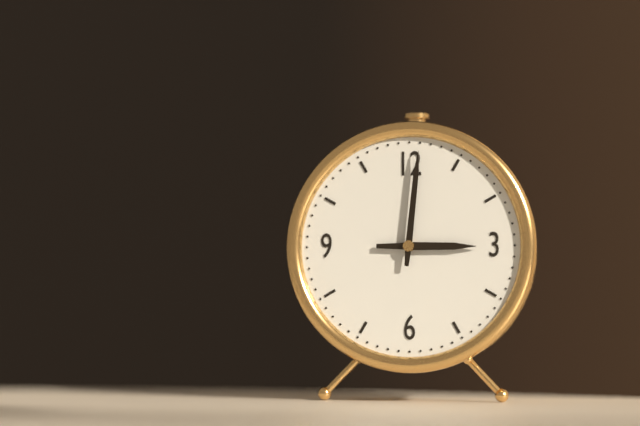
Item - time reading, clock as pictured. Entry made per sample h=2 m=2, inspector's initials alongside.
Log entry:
h=3 m=1
